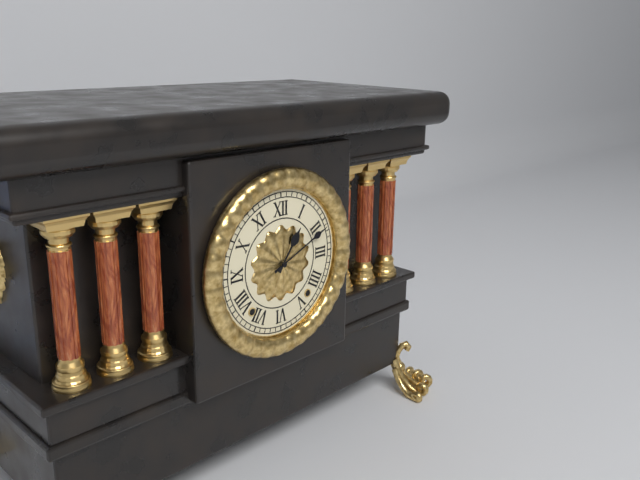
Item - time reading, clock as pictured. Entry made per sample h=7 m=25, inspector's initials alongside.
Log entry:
h=1 m=11
